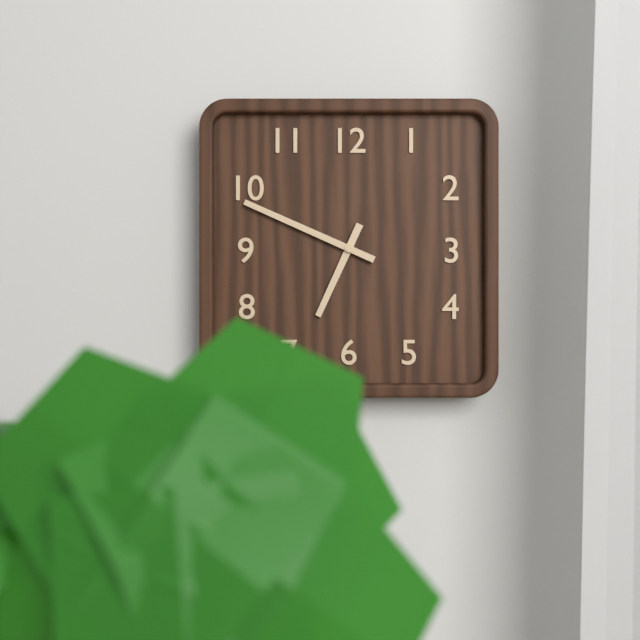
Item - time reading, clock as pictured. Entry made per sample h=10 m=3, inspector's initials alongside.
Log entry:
h=6 m=49
